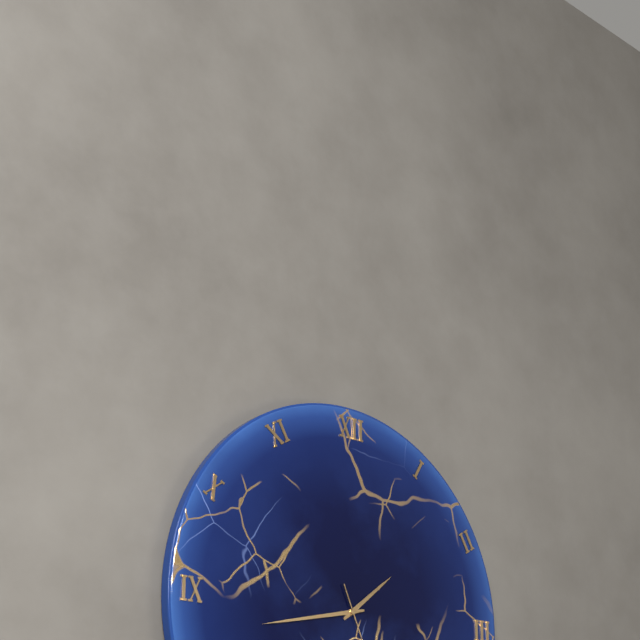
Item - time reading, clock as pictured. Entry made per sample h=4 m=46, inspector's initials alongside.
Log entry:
h=1 m=43
